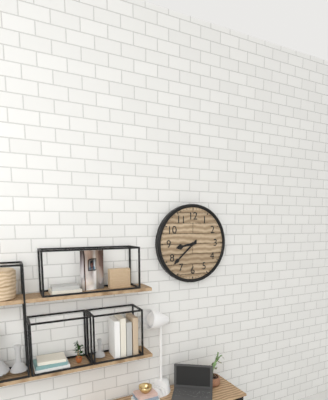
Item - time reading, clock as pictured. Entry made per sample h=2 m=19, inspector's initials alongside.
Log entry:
h=8 m=38
